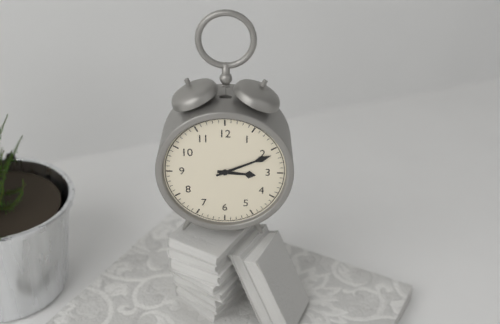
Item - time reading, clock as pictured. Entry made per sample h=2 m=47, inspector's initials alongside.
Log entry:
h=3 m=11
